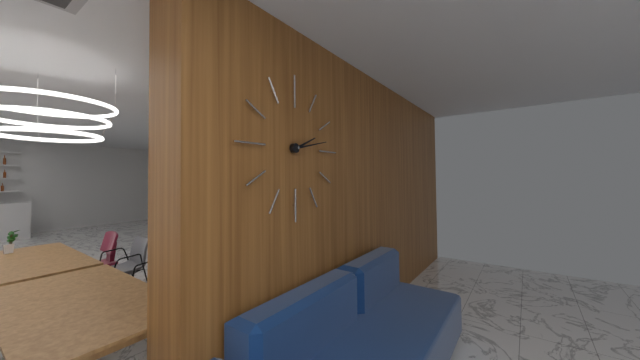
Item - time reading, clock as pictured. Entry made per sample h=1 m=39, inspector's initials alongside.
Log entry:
h=2 m=13
